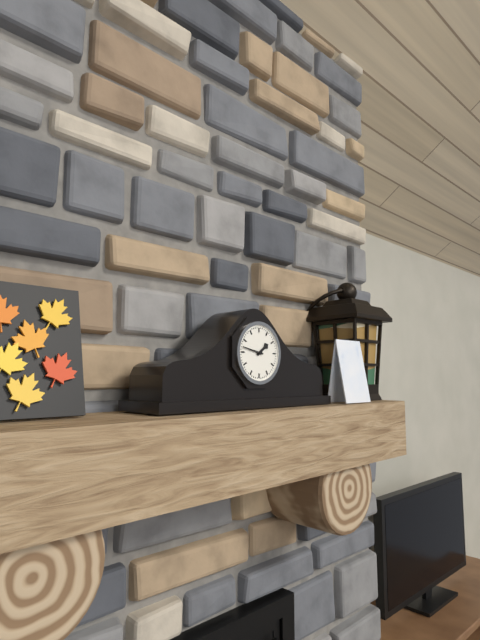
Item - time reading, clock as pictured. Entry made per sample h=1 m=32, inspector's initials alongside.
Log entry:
h=1 m=47
